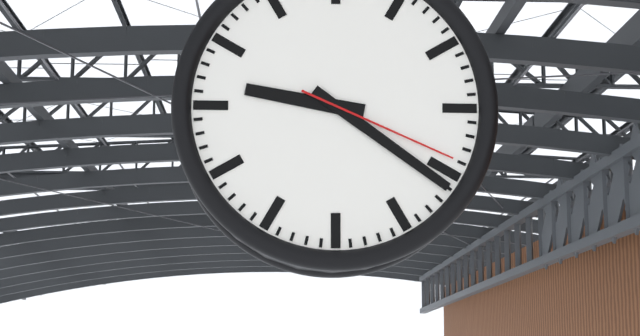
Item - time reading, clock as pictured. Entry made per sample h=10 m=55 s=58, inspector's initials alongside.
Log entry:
h=9 m=21 s=19
